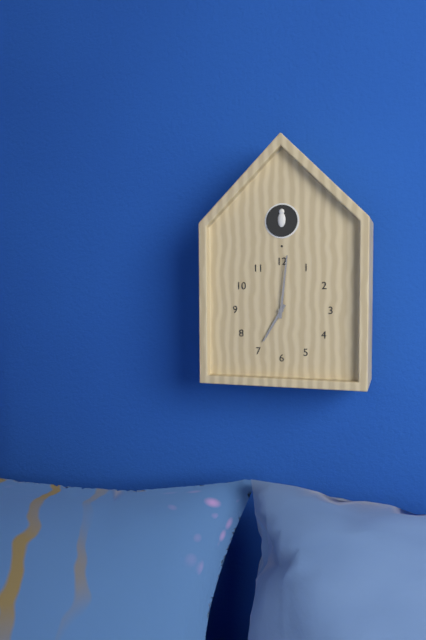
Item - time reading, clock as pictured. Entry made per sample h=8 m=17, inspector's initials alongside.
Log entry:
h=7 m=1
